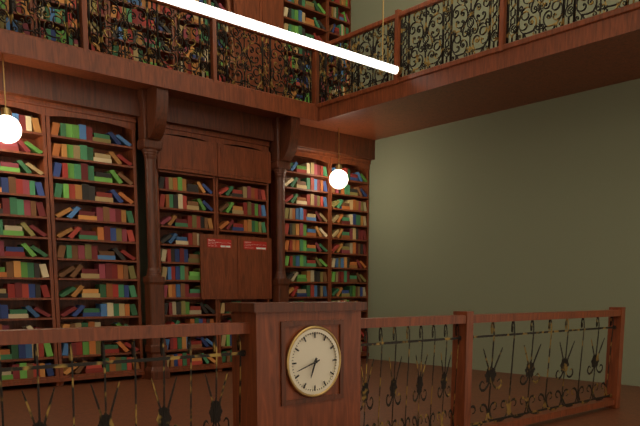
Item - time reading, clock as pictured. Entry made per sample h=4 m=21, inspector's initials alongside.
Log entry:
h=6 m=42
